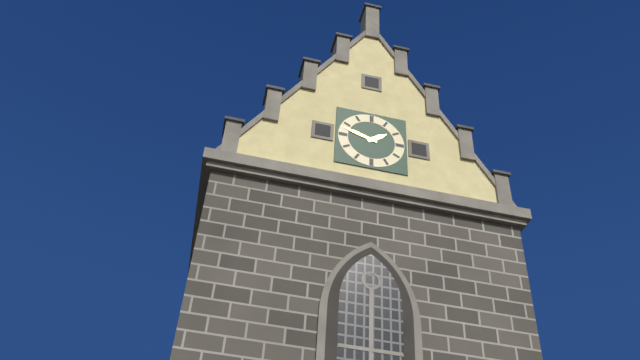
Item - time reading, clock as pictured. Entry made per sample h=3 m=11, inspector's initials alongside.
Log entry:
h=1 m=48
